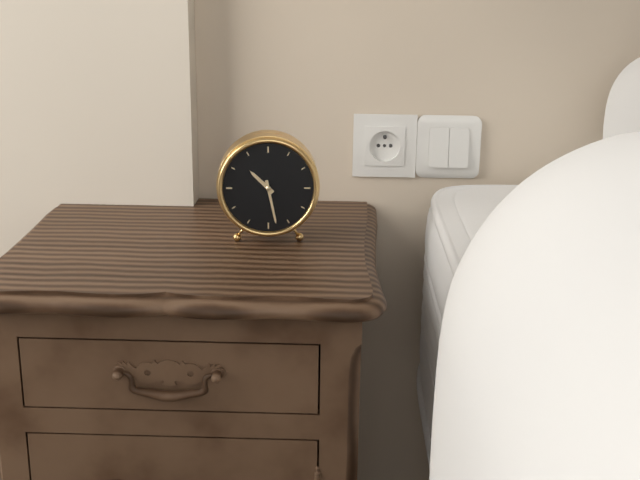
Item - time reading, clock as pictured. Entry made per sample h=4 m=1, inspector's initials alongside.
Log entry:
h=10 m=28
